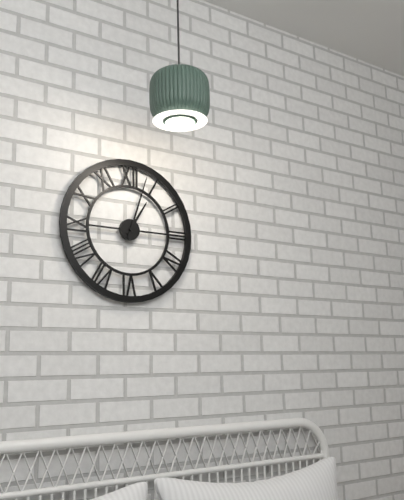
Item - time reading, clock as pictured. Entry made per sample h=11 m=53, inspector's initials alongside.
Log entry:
h=1 m=3
